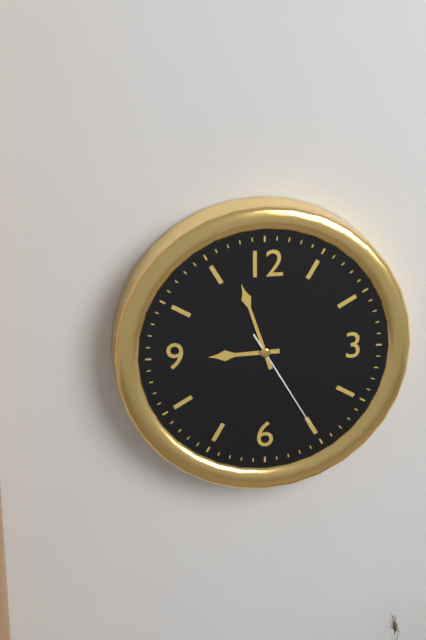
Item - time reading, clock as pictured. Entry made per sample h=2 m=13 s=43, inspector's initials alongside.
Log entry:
h=8 m=57 s=25
